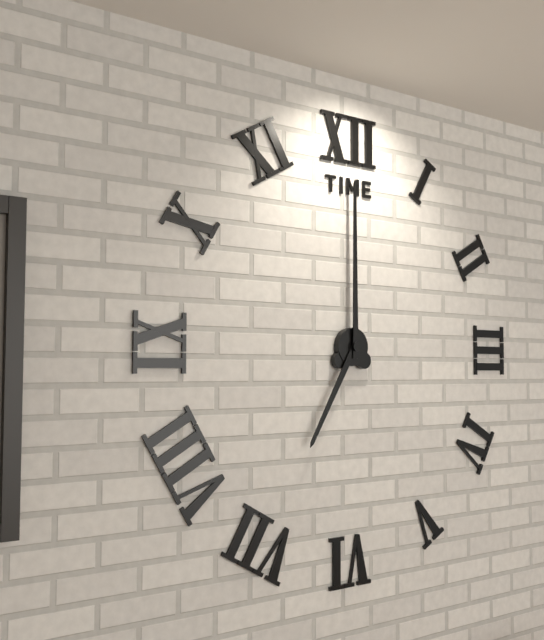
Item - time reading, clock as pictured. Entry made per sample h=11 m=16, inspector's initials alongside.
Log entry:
h=7 m=0
